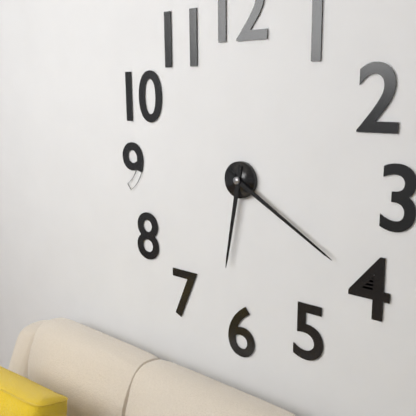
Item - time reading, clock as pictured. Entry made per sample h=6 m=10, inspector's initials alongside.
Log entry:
h=6 m=20
